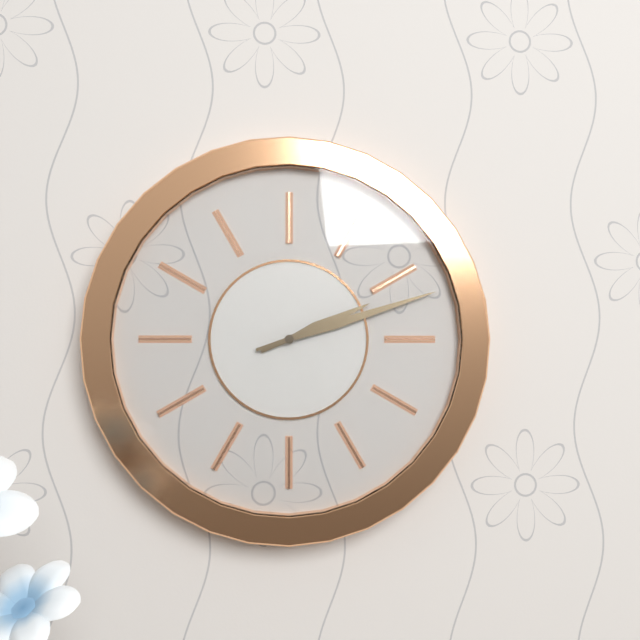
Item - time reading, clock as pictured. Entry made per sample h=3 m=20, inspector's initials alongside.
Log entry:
h=2 m=12
